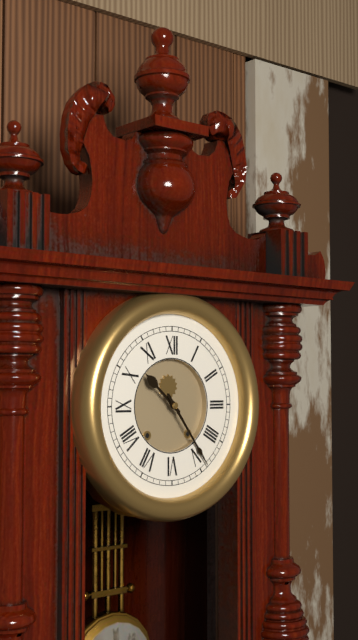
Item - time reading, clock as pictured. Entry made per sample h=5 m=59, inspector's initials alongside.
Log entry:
h=10 m=24
